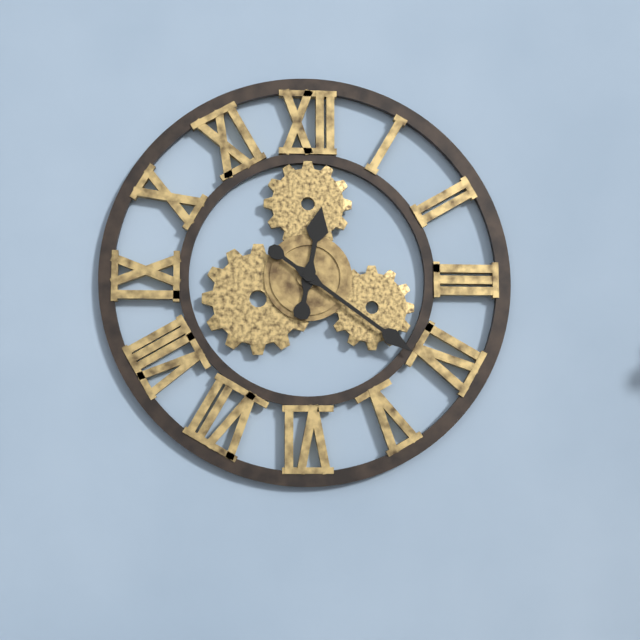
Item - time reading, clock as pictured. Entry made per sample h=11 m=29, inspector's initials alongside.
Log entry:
h=12 m=21
